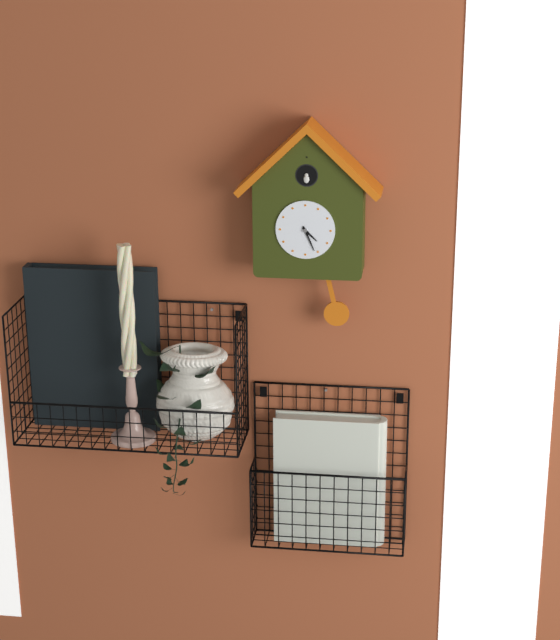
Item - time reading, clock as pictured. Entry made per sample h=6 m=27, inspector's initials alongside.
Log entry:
h=4 m=26
